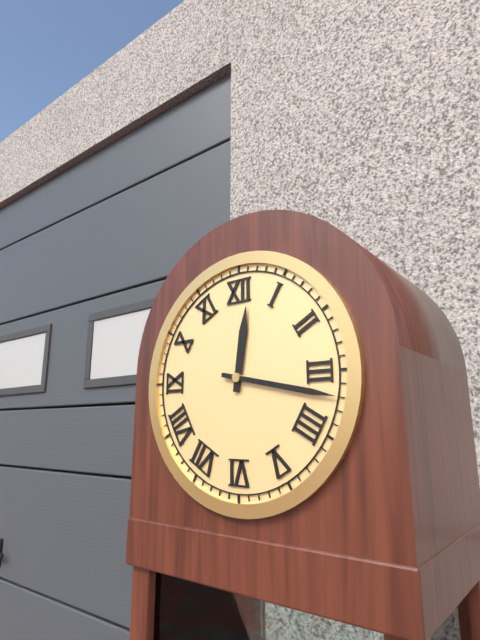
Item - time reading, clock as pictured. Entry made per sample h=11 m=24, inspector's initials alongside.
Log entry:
h=12 m=17
